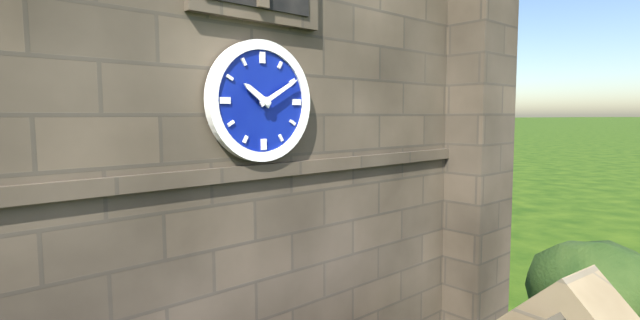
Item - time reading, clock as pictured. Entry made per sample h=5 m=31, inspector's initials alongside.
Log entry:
h=10 m=10
